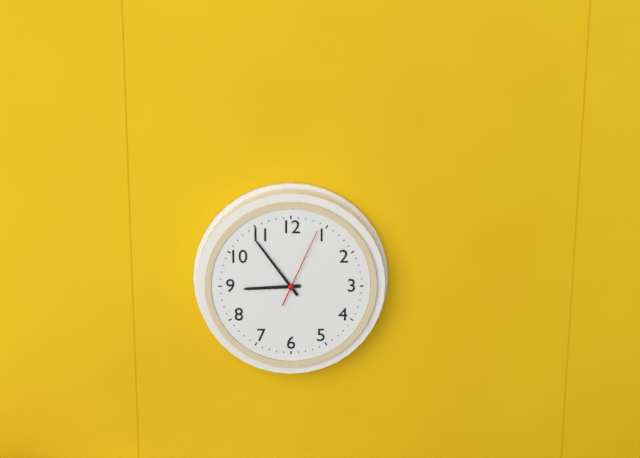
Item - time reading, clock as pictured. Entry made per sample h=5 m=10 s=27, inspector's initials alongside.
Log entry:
h=8 m=54 s=4
